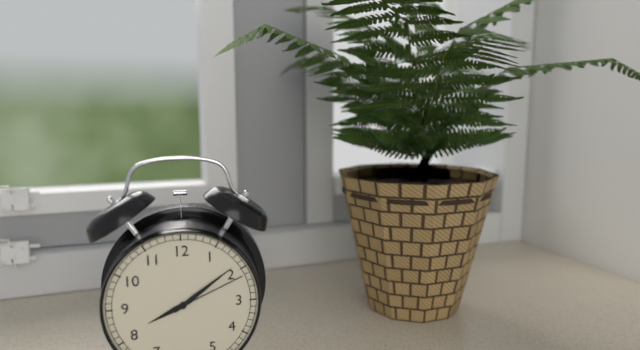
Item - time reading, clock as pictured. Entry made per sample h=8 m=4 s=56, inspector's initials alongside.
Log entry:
h=8 m=9 s=11
